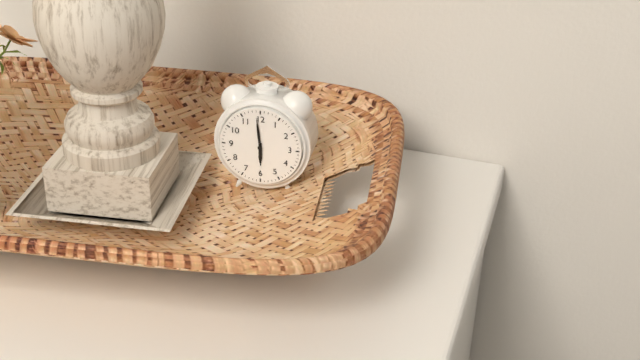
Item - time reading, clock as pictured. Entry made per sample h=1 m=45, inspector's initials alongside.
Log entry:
h=5 m=59
